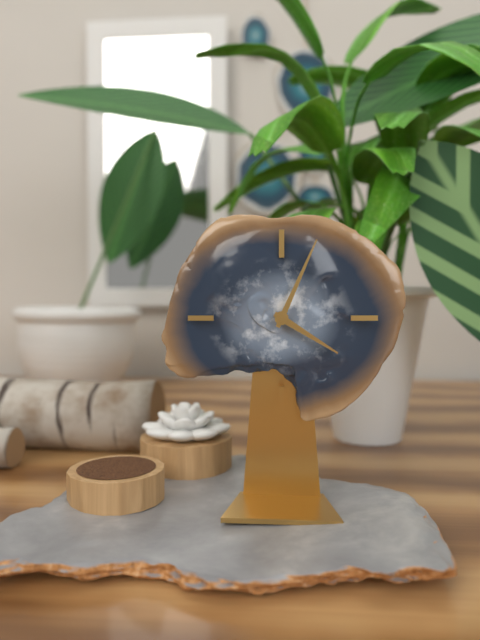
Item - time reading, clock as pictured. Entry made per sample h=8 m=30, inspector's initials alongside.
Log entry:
h=4 m=4
